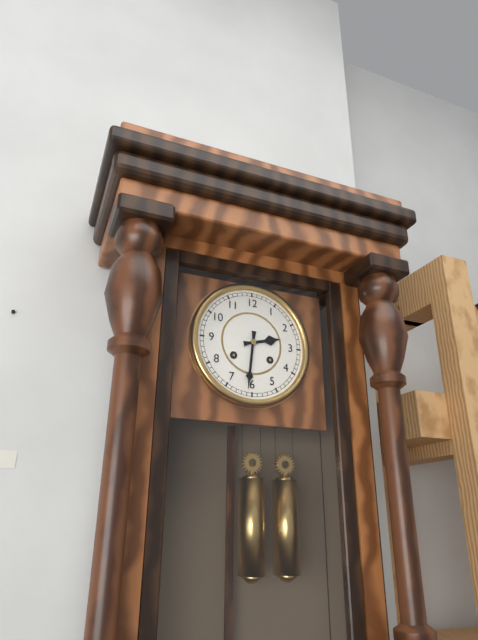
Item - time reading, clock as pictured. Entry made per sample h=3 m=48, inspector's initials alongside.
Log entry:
h=2 m=31
